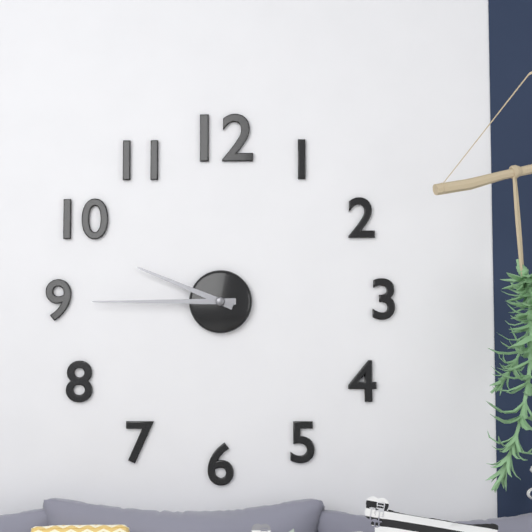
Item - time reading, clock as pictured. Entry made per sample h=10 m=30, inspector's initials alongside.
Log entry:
h=9 m=45
